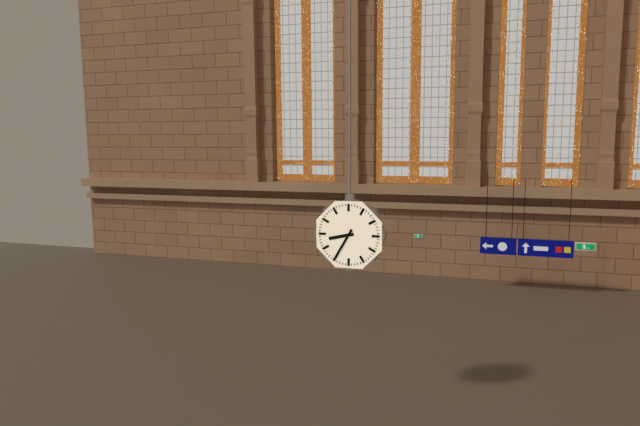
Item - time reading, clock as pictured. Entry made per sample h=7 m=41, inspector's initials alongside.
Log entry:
h=8 m=35
